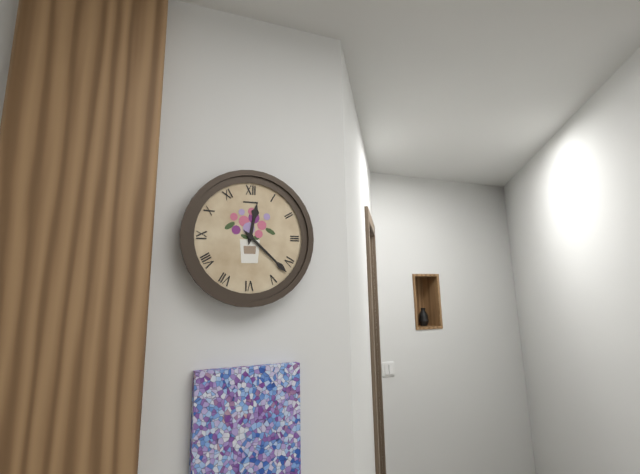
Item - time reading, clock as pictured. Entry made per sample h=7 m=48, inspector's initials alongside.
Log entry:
h=12 m=22
